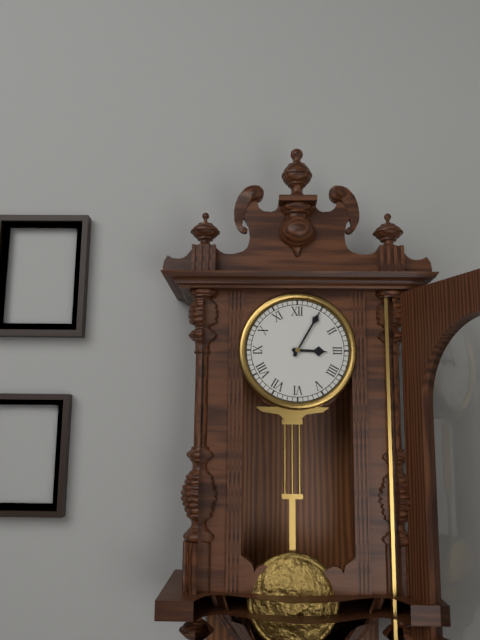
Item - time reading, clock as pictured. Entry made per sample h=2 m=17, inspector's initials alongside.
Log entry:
h=3 m=5
